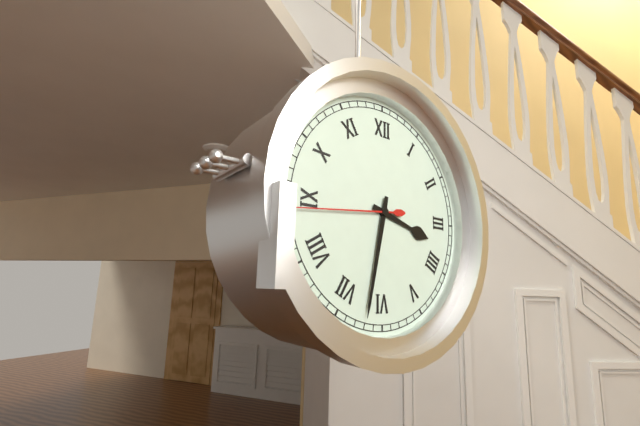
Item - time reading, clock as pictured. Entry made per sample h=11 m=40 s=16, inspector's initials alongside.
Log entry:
h=3 m=32 s=44
